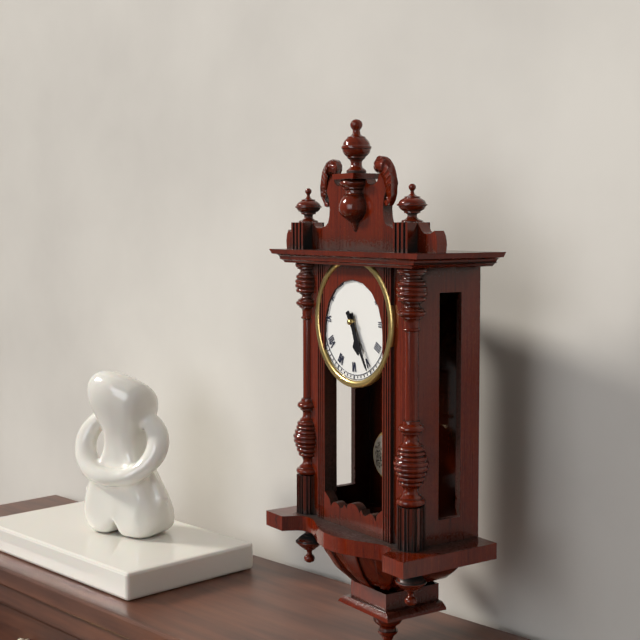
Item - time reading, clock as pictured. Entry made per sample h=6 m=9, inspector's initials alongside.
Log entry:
h=5 m=25
